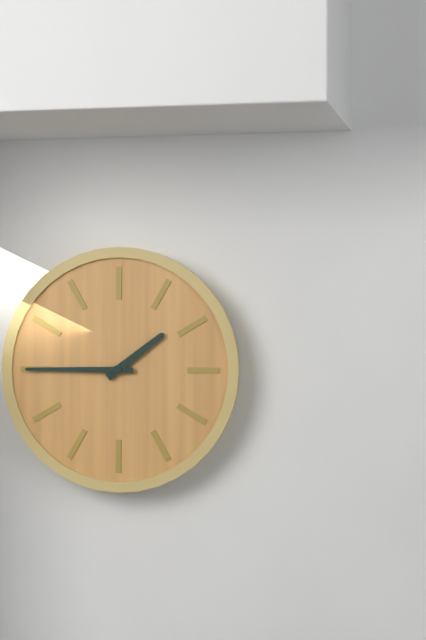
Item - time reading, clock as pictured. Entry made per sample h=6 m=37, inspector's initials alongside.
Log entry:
h=1 m=45
